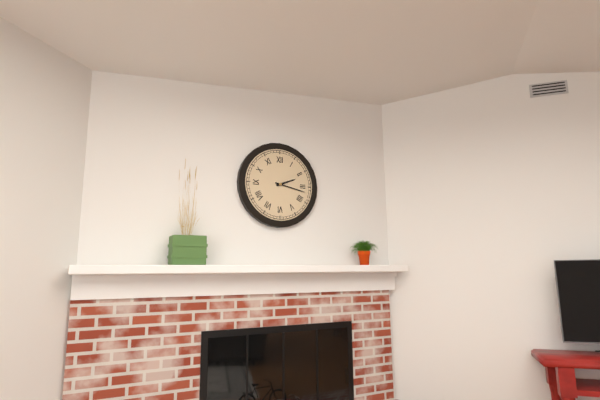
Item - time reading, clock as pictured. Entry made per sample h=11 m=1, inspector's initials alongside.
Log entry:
h=2 m=17
